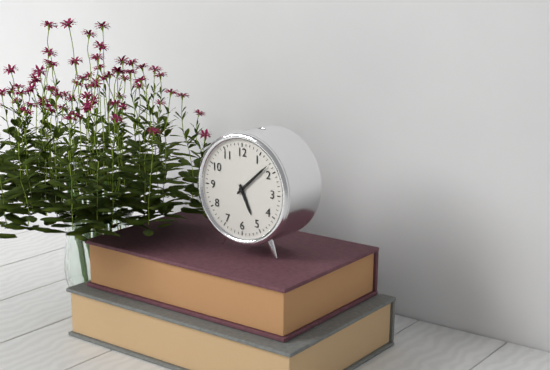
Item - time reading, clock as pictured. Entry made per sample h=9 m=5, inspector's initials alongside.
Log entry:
h=5 m=8
